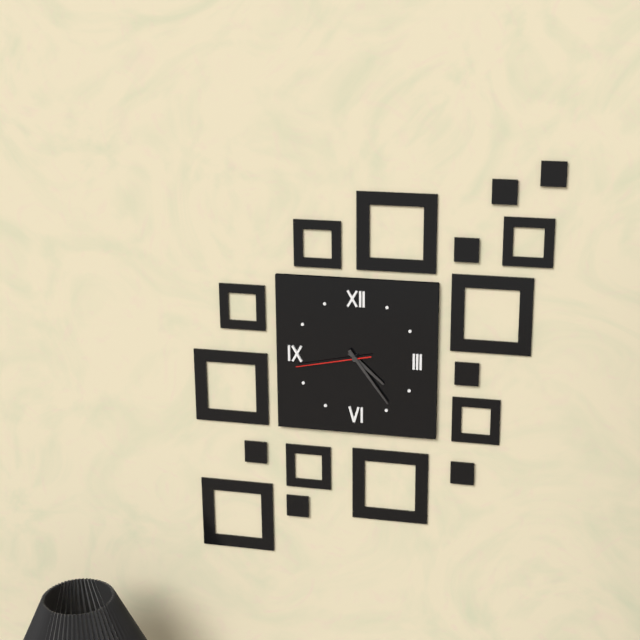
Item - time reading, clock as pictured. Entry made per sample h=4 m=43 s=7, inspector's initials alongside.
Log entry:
h=4 m=24 s=43
